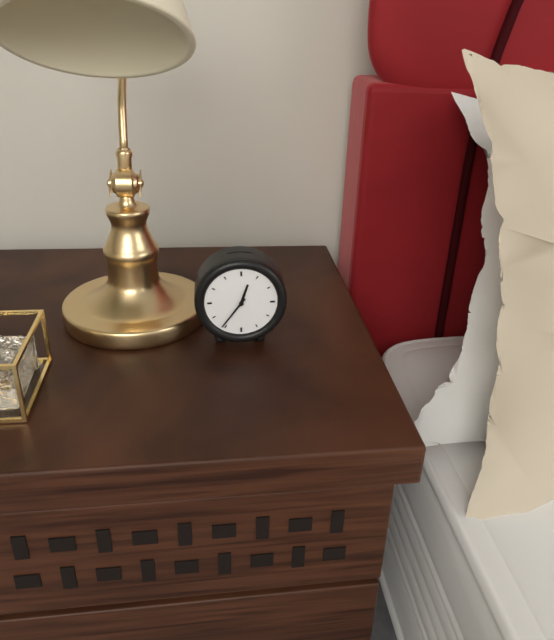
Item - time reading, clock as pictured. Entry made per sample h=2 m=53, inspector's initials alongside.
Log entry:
h=12 m=36
